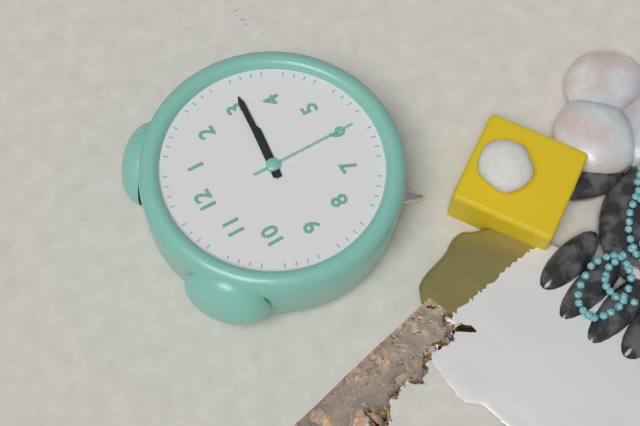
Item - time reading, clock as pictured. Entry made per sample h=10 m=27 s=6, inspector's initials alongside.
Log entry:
h=3 m=16 s=30
